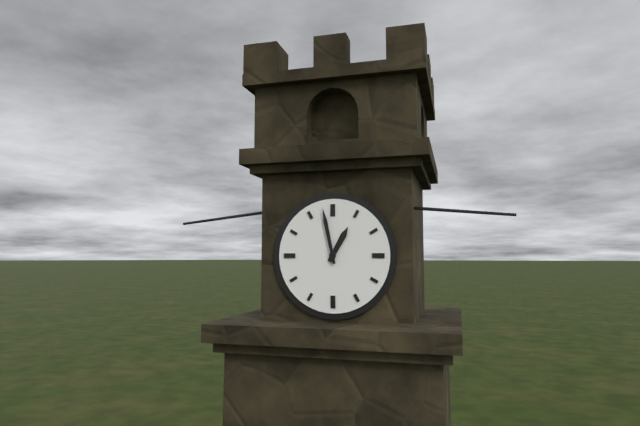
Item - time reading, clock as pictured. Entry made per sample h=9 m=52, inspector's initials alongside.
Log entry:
h=12 m=58
